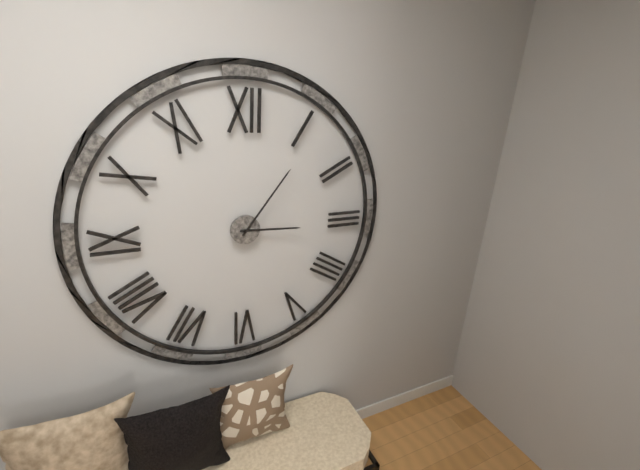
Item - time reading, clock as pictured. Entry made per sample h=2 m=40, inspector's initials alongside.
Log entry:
h=3 m=6
